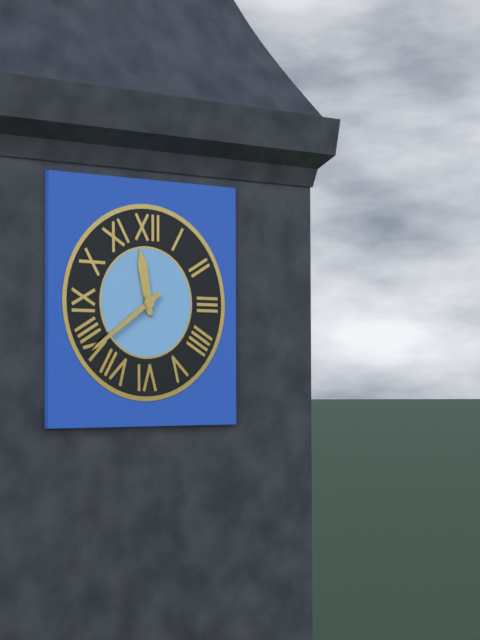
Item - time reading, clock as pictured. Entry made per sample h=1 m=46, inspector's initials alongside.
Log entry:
h=11 m=39
